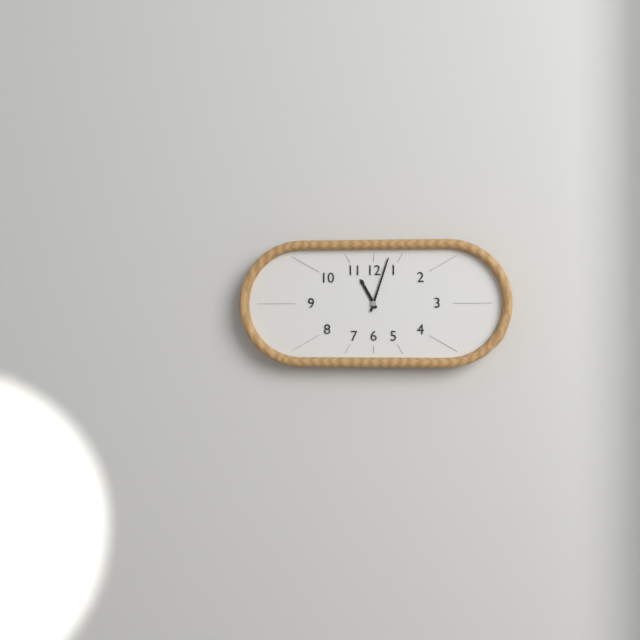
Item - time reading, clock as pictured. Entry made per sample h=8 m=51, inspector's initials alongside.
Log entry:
h=11 m=3
